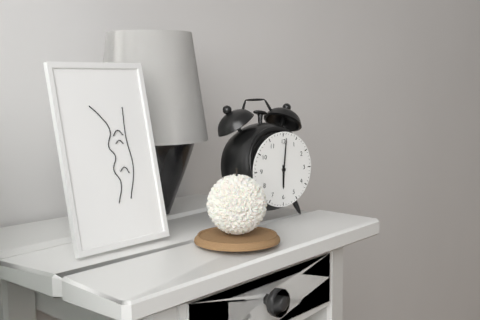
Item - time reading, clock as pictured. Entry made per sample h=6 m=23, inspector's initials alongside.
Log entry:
h=6 m=1
